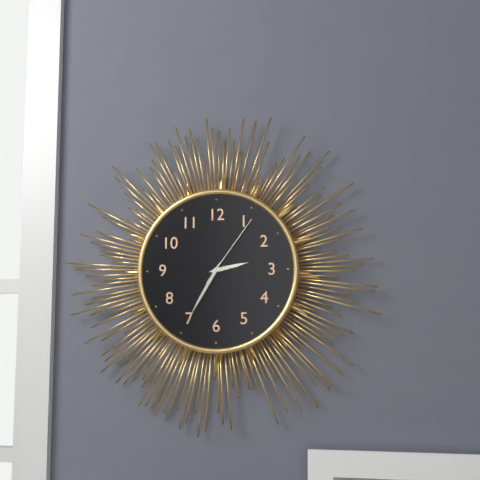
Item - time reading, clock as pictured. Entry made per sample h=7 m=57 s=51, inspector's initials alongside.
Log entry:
h=2 m=35 s=6
